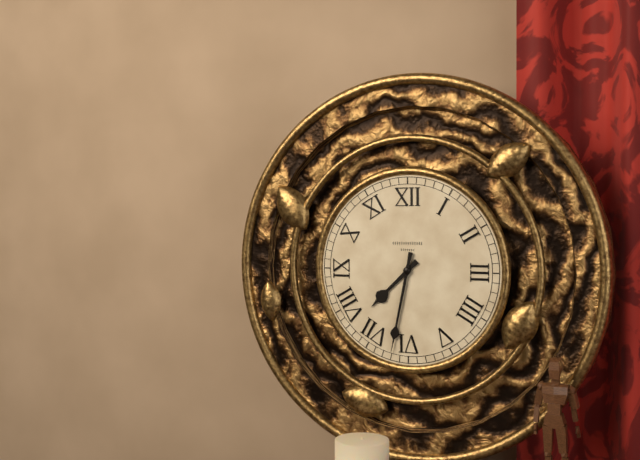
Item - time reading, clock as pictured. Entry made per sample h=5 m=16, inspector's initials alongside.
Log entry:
h=7 m=32
